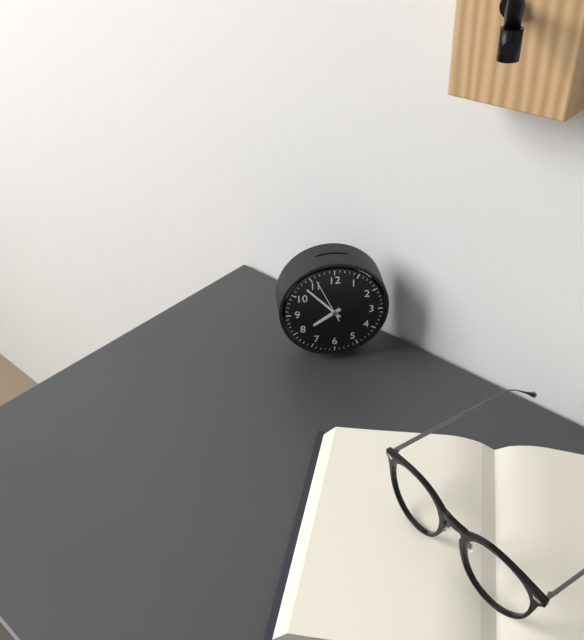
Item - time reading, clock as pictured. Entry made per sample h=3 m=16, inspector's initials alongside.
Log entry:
h=7 m=53
